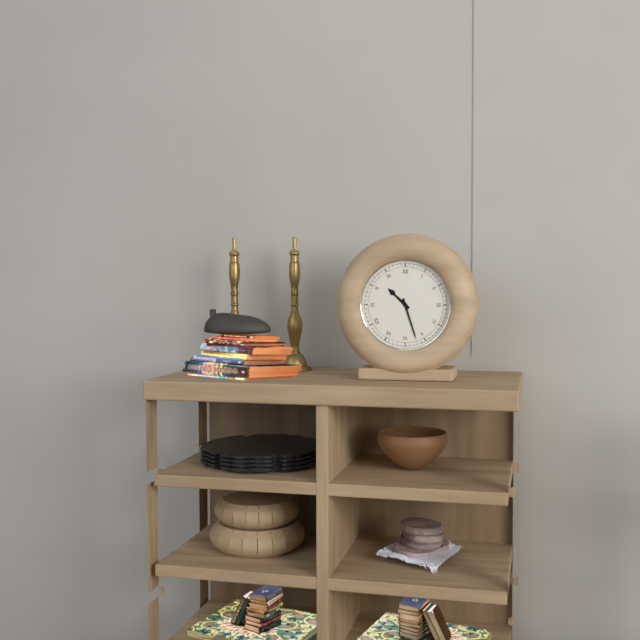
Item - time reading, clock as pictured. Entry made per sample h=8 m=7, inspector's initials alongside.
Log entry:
h=10 m=27
